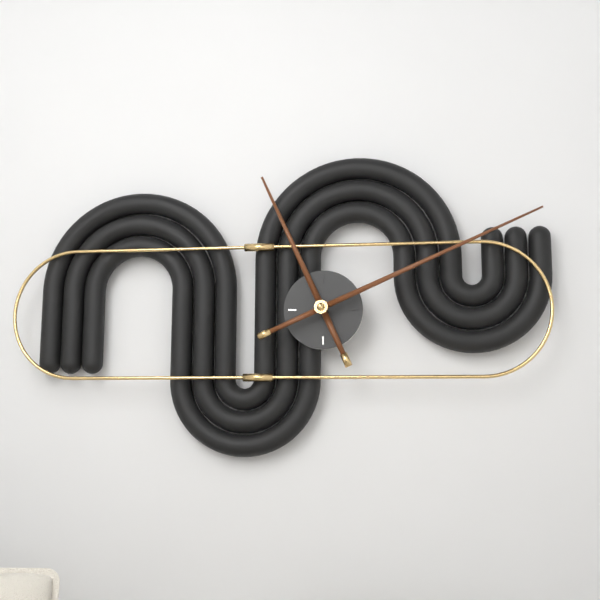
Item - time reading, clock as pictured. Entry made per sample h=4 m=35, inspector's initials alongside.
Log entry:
h=11 m=11
